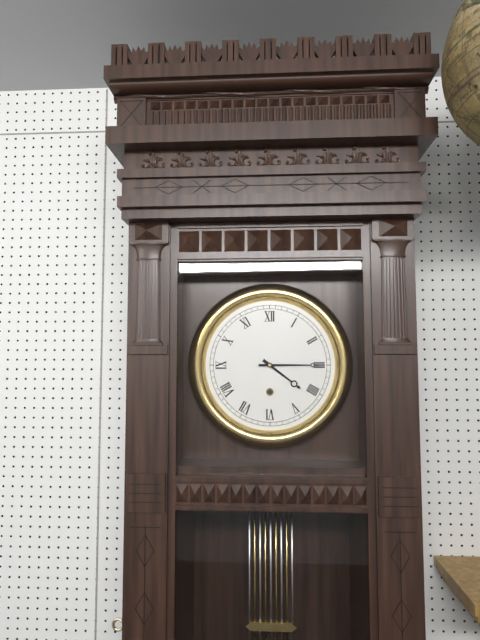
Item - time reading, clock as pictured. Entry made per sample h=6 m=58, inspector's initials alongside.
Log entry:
h=4 m=15
